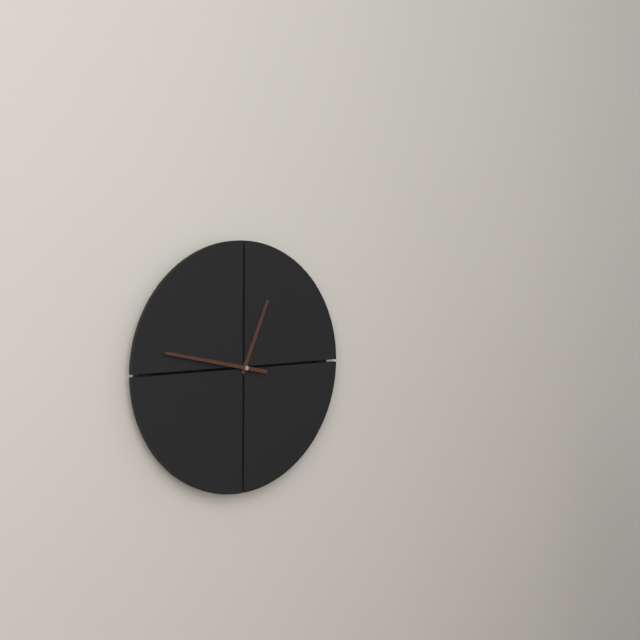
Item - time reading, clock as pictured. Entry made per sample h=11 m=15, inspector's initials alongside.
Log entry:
h=12 m=47
